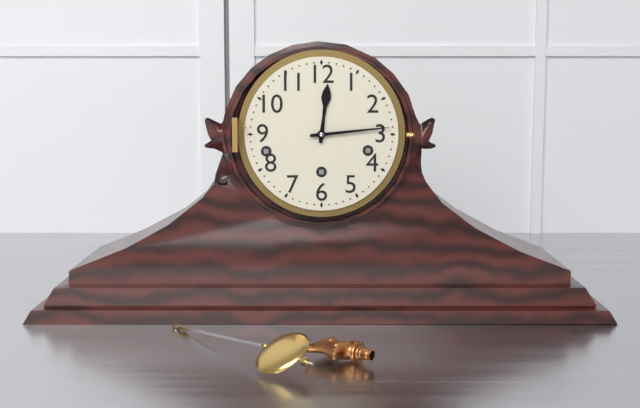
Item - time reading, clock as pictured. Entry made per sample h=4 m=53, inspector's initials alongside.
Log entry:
h=12 m=14
